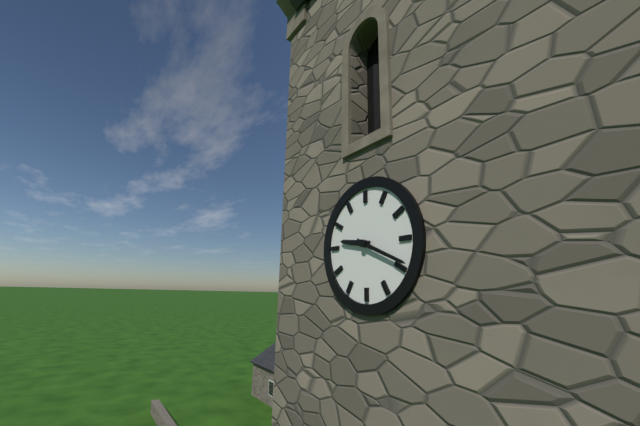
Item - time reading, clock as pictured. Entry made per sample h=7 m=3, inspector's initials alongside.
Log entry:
h=9 m=19
